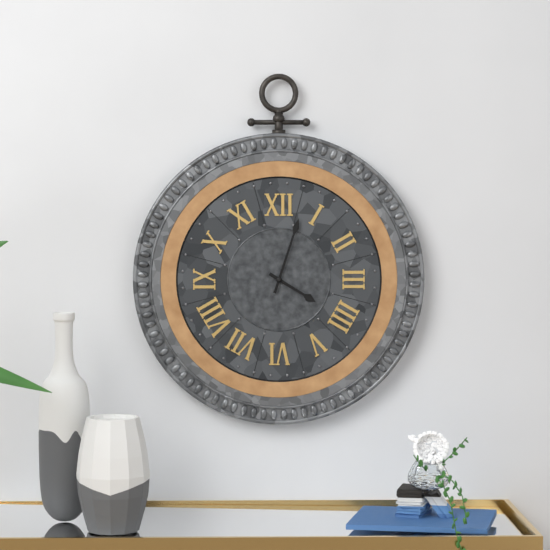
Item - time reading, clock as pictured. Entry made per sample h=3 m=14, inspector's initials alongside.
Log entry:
h=4 m=3
